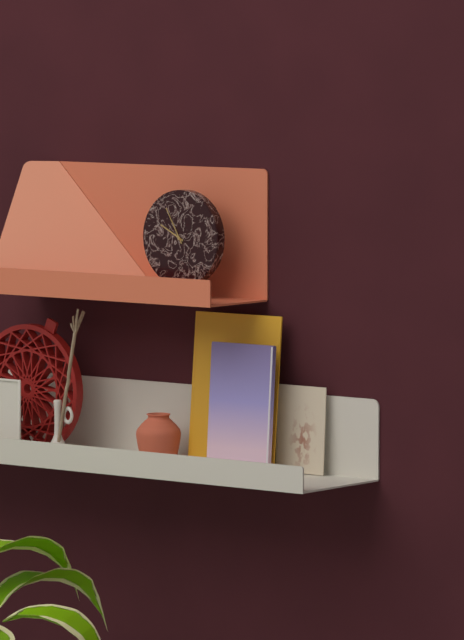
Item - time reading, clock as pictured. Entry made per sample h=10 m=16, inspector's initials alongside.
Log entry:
h=9 m=55
